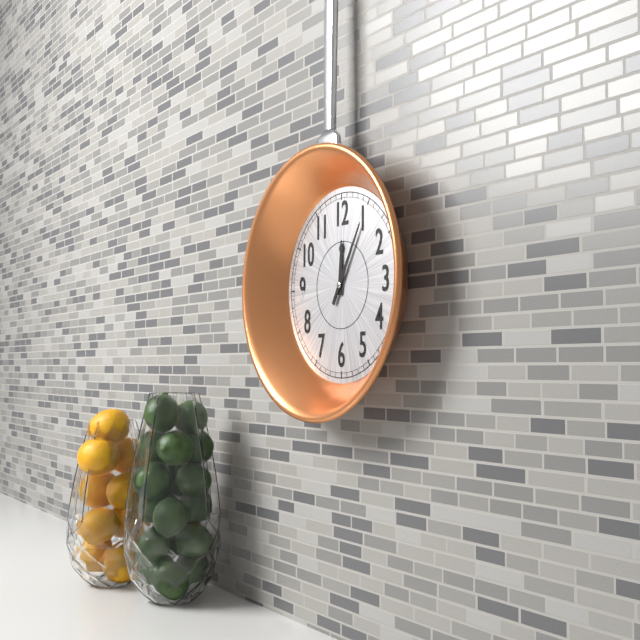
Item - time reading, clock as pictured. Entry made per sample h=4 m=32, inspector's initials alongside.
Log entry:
h=12 m=5
